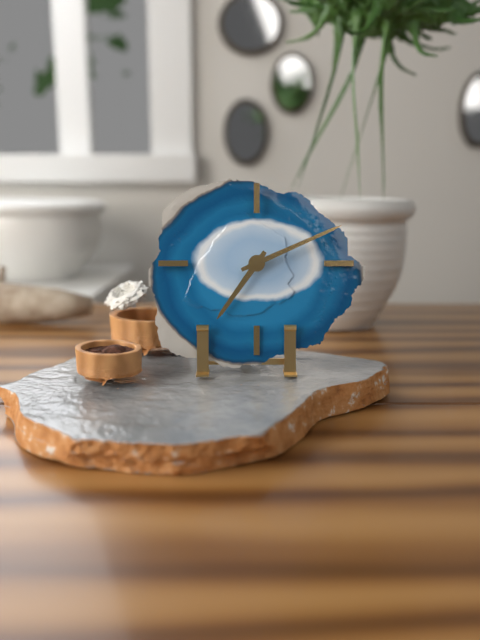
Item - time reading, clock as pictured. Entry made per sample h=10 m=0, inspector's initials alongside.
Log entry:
h=7 m=11
